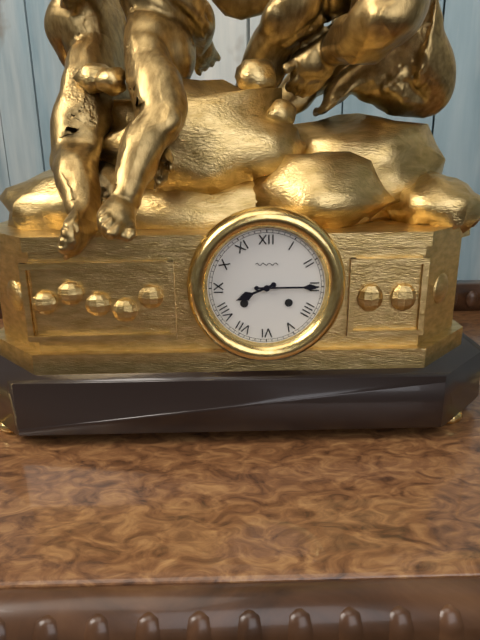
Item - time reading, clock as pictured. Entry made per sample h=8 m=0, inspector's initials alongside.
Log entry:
h=8 m=15
